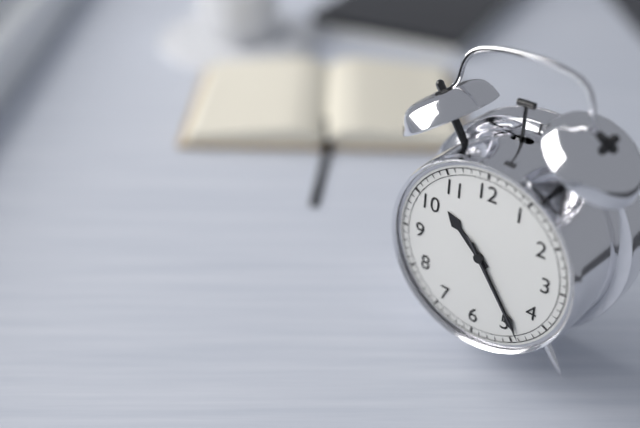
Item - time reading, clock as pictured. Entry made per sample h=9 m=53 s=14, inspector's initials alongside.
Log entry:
h=10 m=24 s=24
